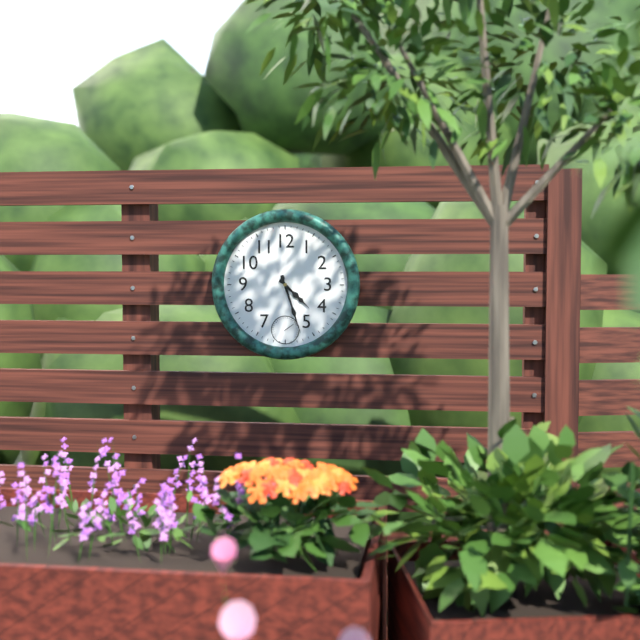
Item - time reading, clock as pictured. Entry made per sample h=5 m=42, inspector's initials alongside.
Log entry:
h=4 m=27
